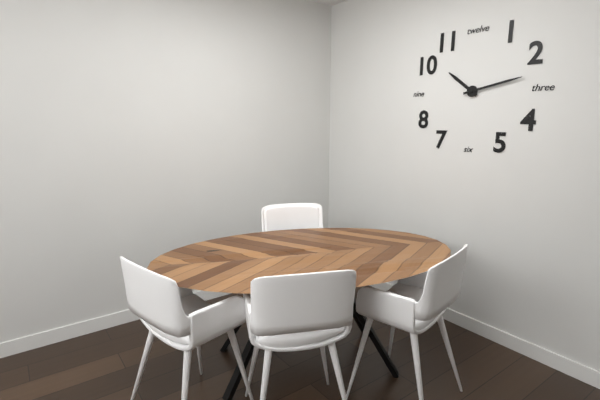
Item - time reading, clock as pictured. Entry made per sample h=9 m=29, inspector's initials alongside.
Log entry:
h=10 m=13
